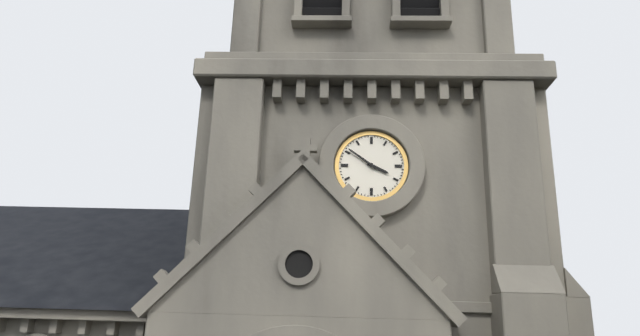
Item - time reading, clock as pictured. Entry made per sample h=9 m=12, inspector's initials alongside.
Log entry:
h=3 m=51
